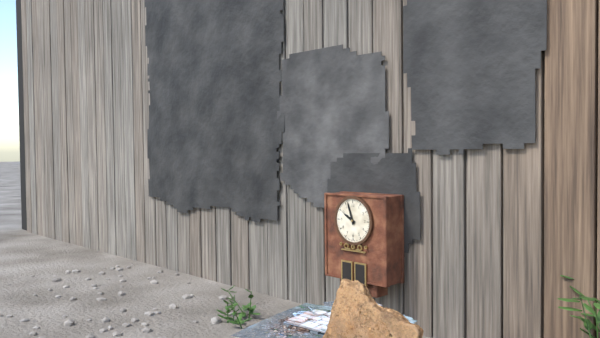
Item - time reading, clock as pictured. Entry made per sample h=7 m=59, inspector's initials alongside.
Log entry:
h=9 m=57
